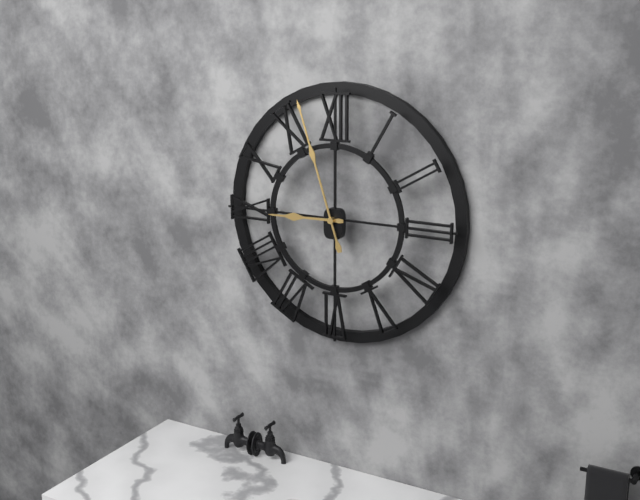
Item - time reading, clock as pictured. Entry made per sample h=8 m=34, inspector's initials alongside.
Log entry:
h=8 m=57
